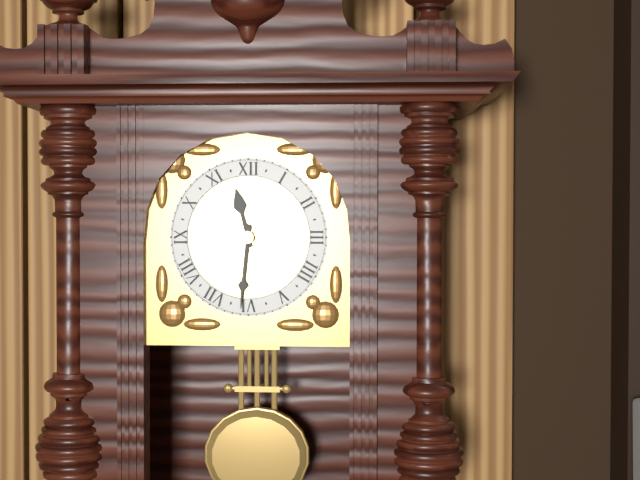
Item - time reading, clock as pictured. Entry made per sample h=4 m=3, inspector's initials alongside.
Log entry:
h=11 m=31
